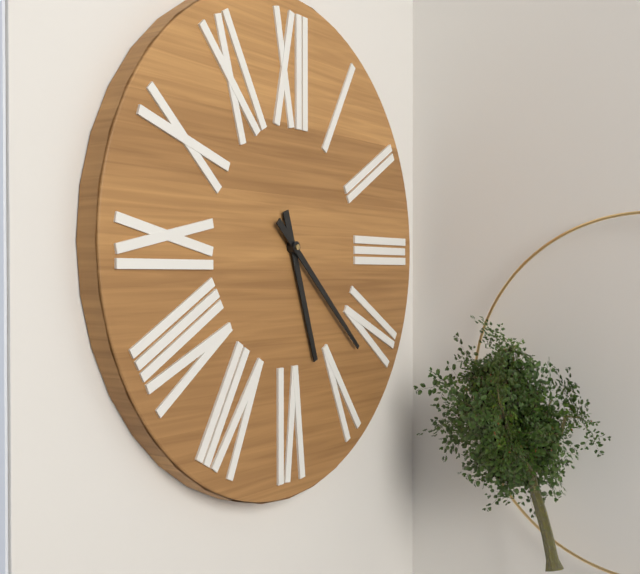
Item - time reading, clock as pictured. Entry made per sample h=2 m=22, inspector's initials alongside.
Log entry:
h=5 m=22
